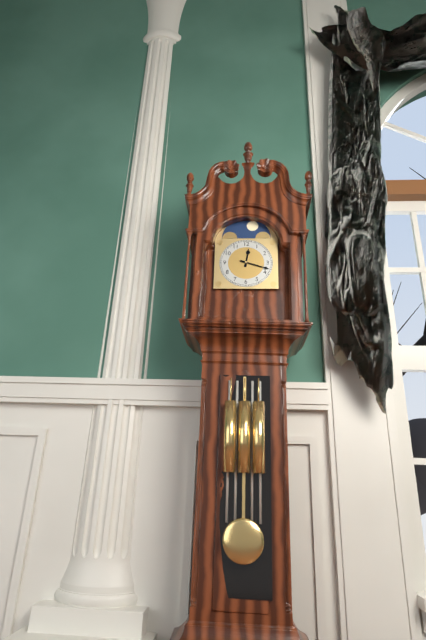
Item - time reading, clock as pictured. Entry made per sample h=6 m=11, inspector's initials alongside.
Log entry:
h=12 m=18
